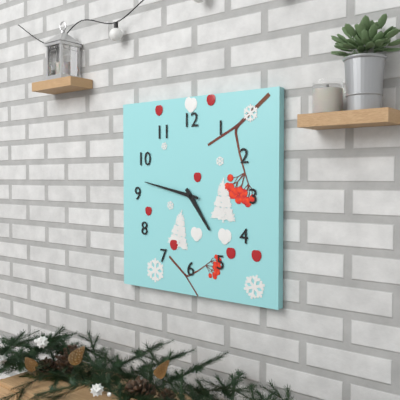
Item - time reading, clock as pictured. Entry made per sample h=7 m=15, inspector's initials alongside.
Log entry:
h=4 m=47
